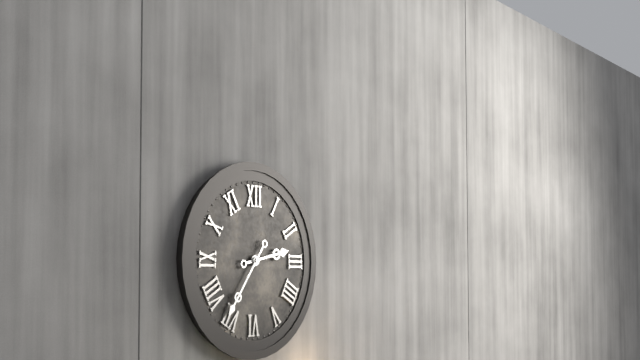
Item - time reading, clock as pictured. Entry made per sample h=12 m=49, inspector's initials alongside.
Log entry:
h=2 m=36
